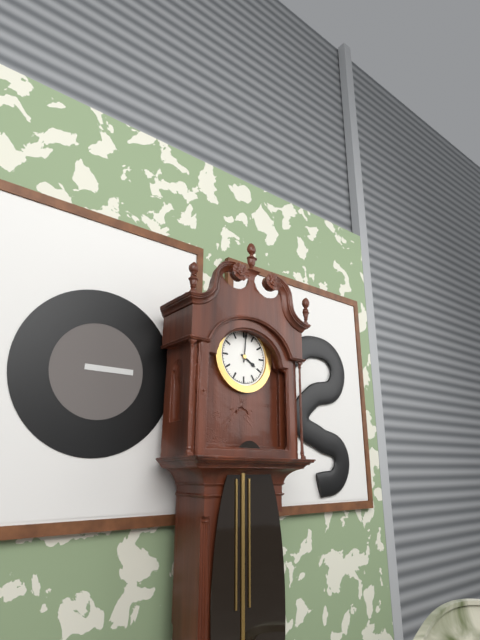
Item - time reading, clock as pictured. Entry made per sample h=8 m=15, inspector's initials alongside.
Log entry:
h=4 m=1
